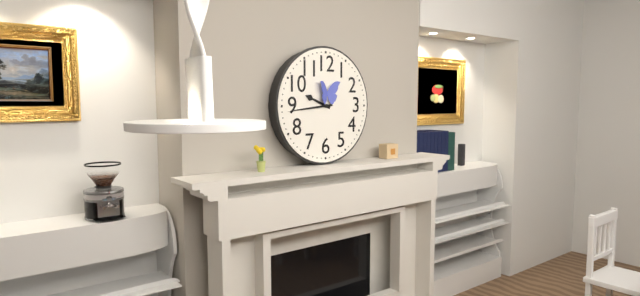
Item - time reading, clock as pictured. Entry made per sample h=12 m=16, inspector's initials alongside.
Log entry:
h=9 m=44
